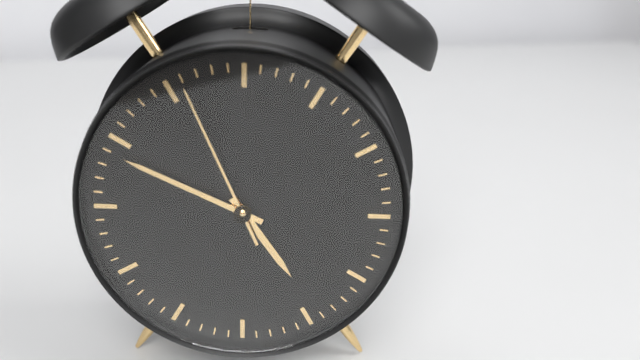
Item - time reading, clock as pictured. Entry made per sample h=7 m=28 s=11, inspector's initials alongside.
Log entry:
h=4 m=49 s=56
